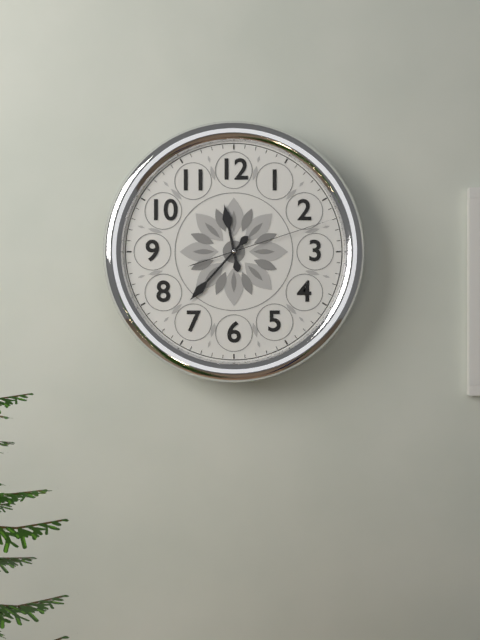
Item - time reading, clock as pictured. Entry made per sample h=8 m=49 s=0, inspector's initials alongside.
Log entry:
h=11 m=37 s=12
